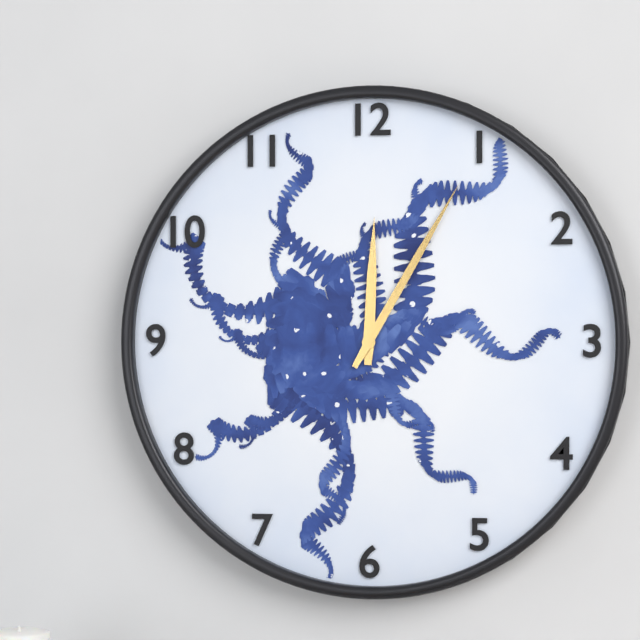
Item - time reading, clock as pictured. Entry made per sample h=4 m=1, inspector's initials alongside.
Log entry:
h=12 m=5
